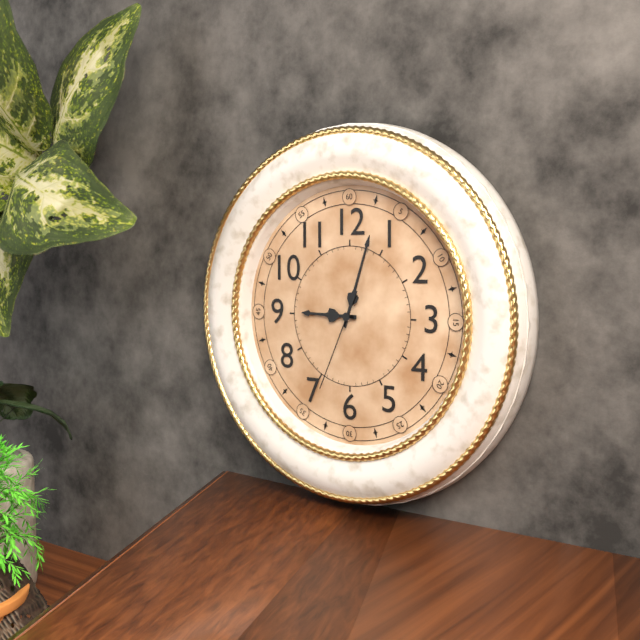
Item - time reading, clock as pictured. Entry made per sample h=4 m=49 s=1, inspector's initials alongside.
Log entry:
h=9 m=3 s=34
